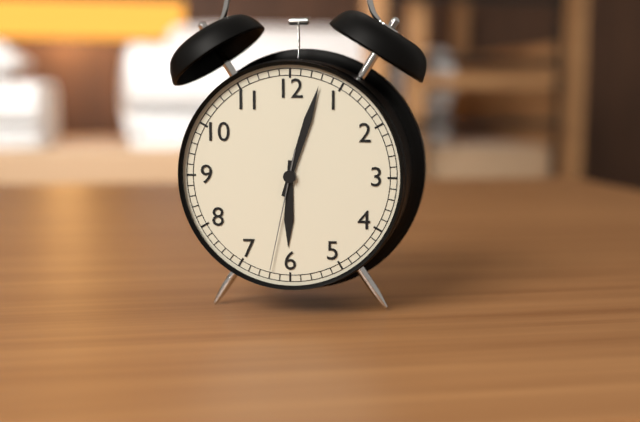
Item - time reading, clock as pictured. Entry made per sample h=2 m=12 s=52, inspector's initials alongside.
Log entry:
h=6 m=3 s=32
